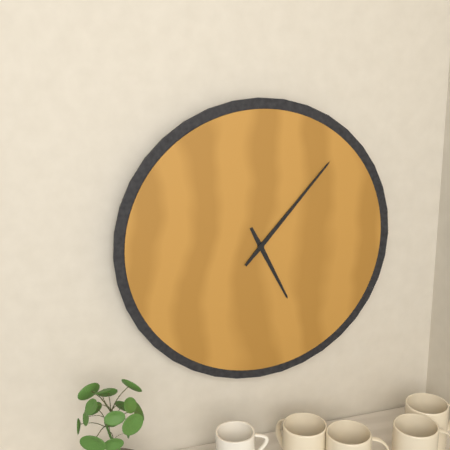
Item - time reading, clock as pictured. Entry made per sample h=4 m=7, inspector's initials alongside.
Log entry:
h=5 m=7
